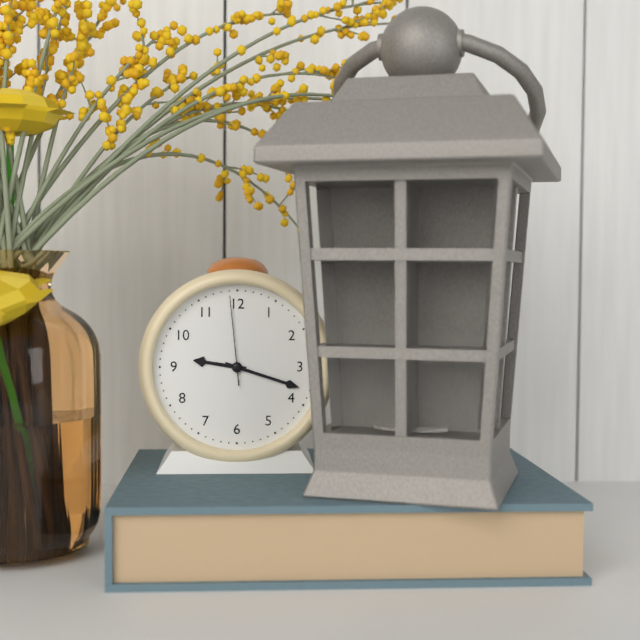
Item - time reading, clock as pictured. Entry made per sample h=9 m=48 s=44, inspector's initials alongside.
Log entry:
h=9 m=18 s=59
